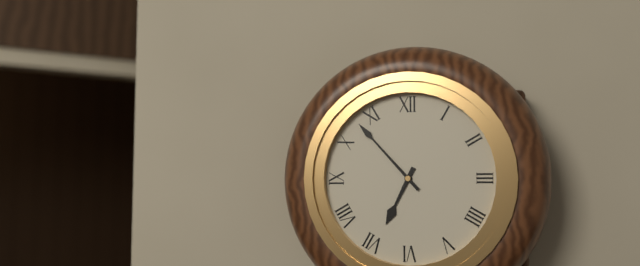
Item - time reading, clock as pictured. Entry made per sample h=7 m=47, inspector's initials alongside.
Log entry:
h=6 m=53
